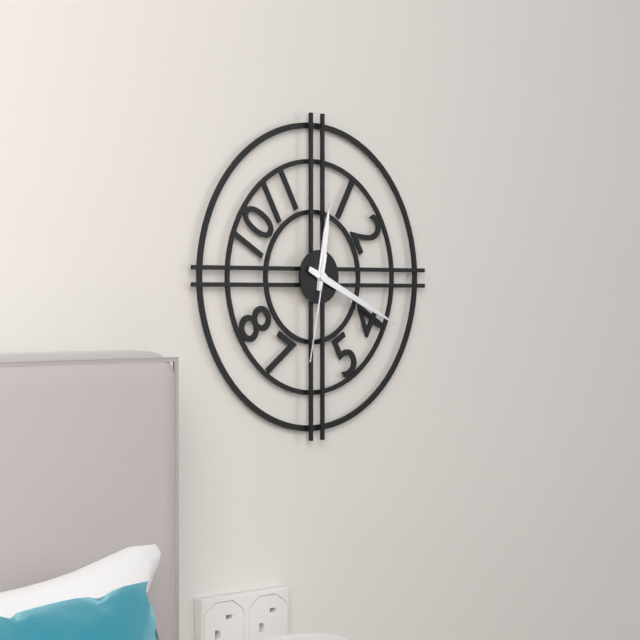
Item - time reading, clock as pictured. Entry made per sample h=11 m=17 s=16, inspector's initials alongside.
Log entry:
h=12 m=19 s=32
